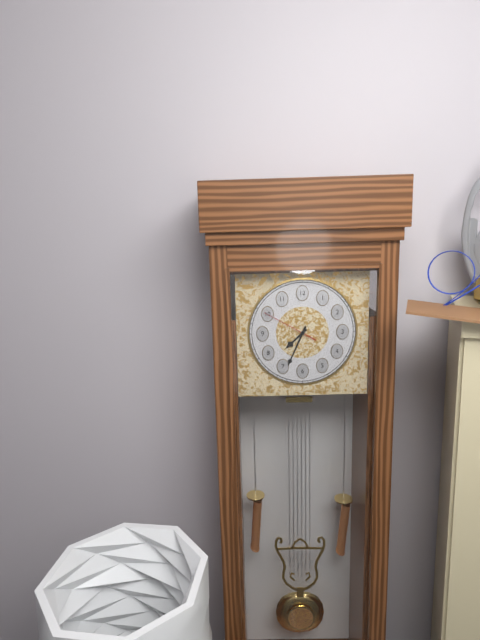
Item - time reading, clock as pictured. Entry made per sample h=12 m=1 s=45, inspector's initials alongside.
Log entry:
h=7 m=34 s=50
